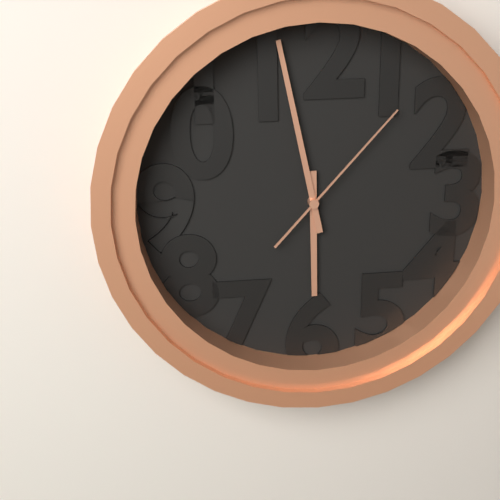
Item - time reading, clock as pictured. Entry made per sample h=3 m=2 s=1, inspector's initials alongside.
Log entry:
h=5 m=58 s=7
